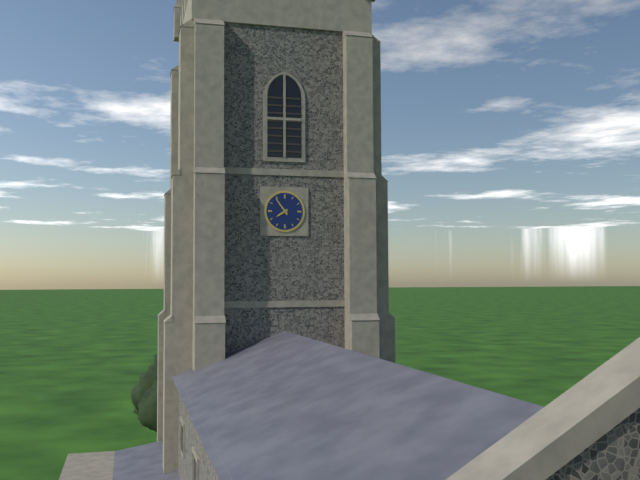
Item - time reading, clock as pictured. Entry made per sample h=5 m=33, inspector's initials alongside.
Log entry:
h=7 m=54
